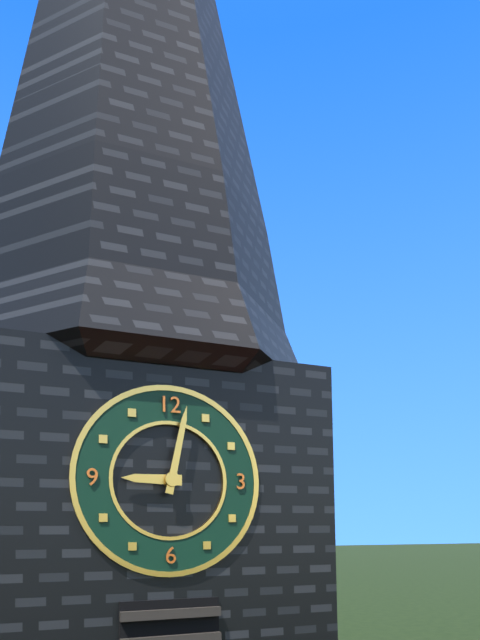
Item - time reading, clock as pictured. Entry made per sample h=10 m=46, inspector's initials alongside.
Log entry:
h=9 m=2
